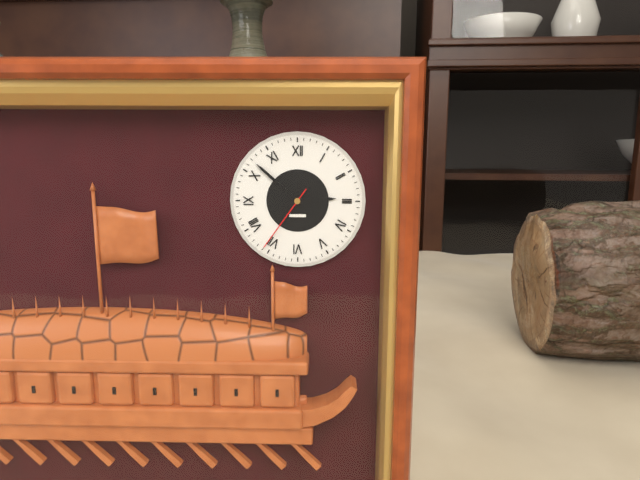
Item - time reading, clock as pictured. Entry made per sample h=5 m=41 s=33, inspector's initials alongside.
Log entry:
h=2 m=52 s=36
